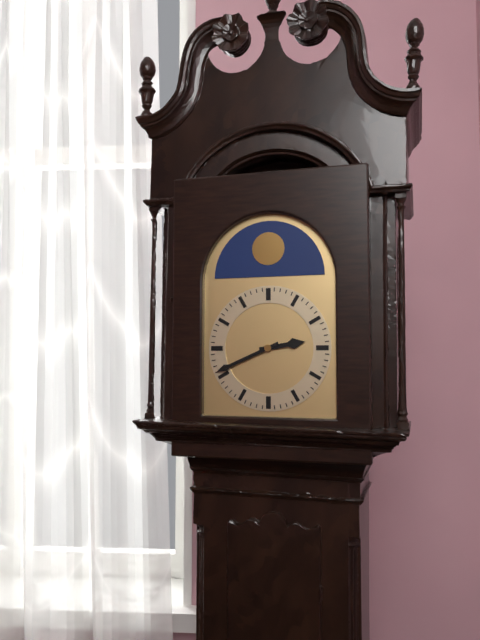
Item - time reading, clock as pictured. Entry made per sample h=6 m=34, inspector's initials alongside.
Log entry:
h=2 m=41
